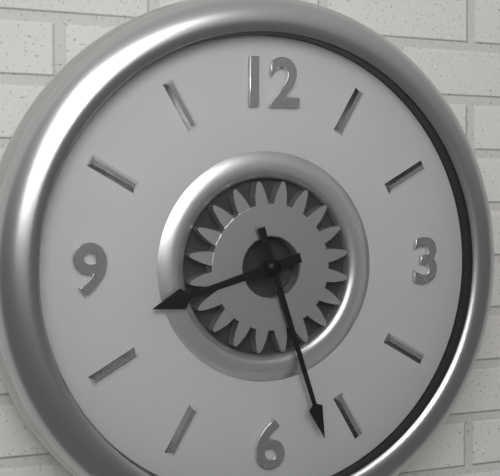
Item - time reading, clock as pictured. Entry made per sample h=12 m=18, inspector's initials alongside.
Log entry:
h=8 m=27
